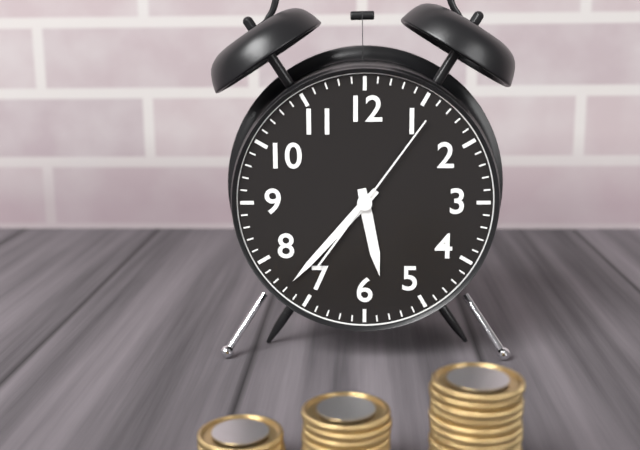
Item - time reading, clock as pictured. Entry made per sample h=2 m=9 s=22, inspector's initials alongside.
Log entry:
h=5 m=37 s=6
